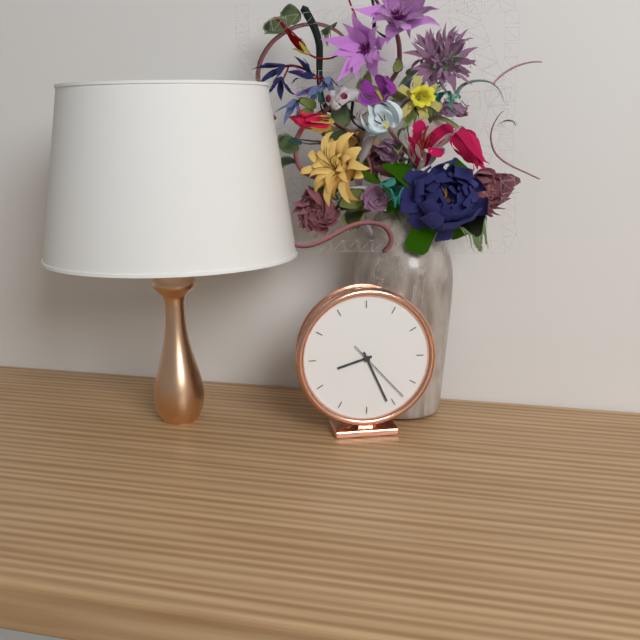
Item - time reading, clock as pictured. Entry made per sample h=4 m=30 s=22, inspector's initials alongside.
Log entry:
h=8 m=26 s=23
